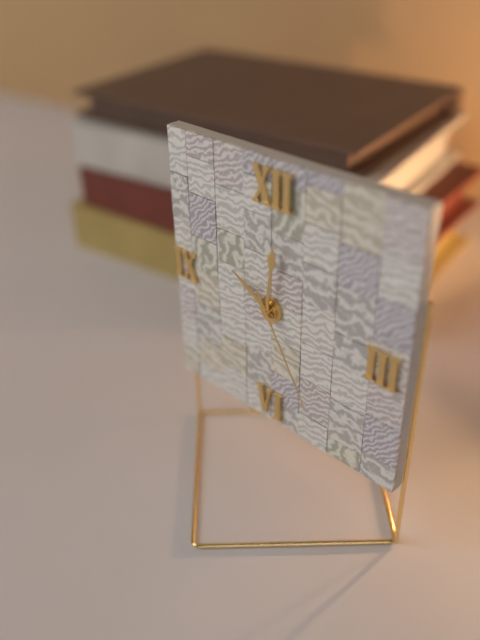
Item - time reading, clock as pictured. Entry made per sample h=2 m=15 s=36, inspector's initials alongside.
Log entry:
h=10 m=1 s=25
